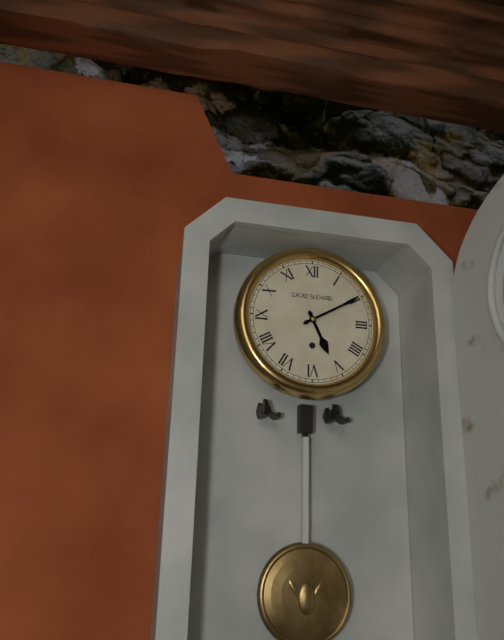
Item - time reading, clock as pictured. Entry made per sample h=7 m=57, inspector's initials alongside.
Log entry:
h=5 m=10
